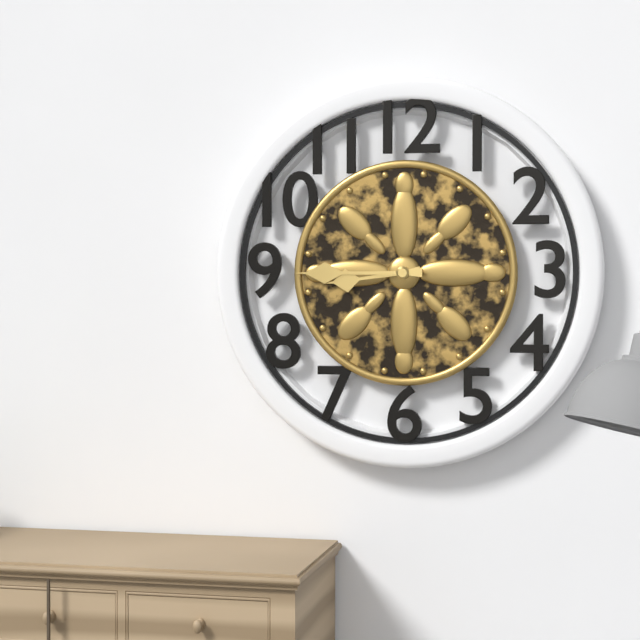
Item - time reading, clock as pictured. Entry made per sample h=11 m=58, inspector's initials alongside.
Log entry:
h=8 m=45
